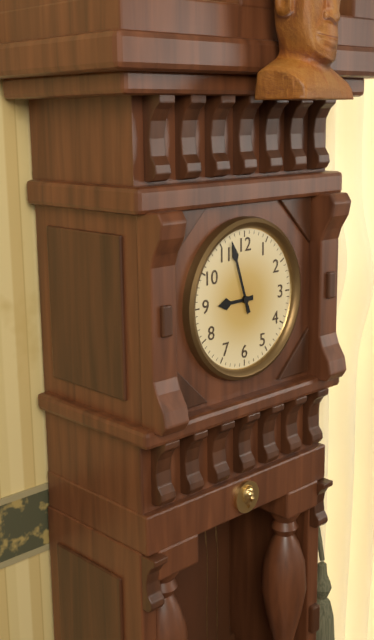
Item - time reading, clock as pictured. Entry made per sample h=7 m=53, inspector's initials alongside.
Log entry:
h=8 m=57
